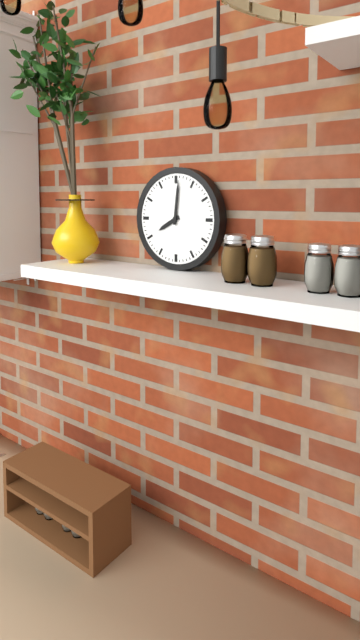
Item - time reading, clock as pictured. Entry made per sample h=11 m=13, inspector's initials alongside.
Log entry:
h=8 m=1
